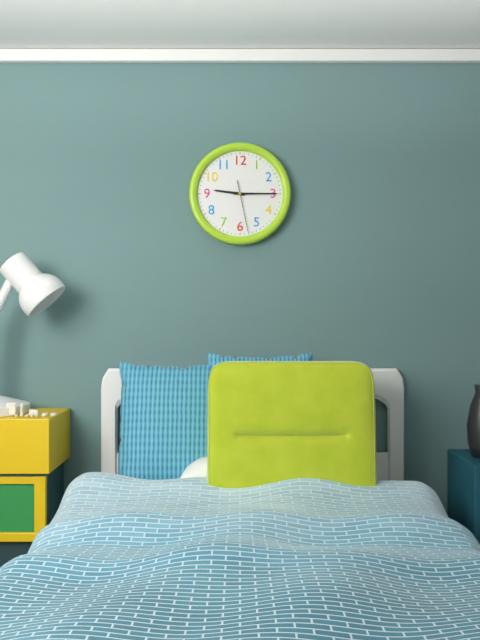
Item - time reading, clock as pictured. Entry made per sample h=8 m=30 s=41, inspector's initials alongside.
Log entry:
h=9 m=15 s=28
